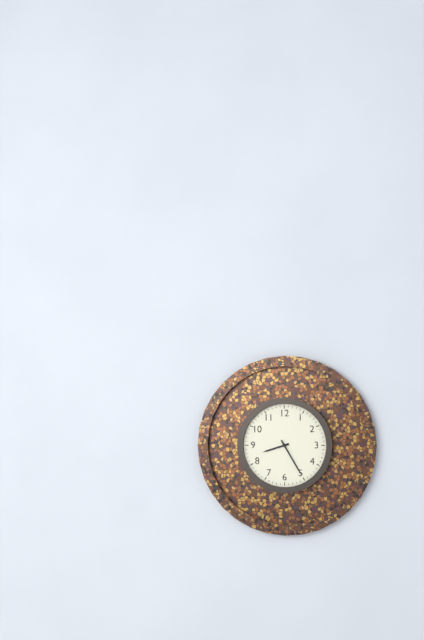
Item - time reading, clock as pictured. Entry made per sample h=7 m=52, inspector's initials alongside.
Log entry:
h=8 m=25
